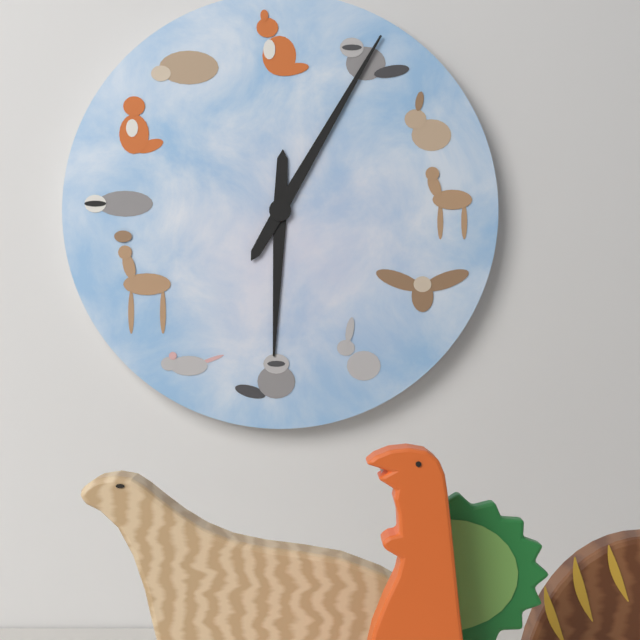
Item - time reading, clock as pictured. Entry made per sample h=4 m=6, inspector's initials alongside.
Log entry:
h=6 m=5
